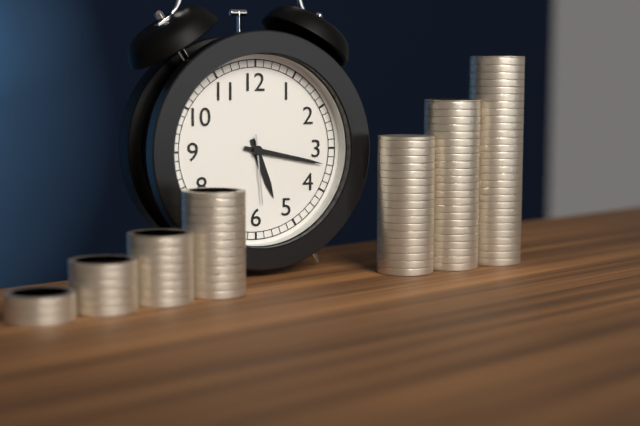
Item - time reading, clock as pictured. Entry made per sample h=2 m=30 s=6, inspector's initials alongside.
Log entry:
h=5 m=17 s=29
